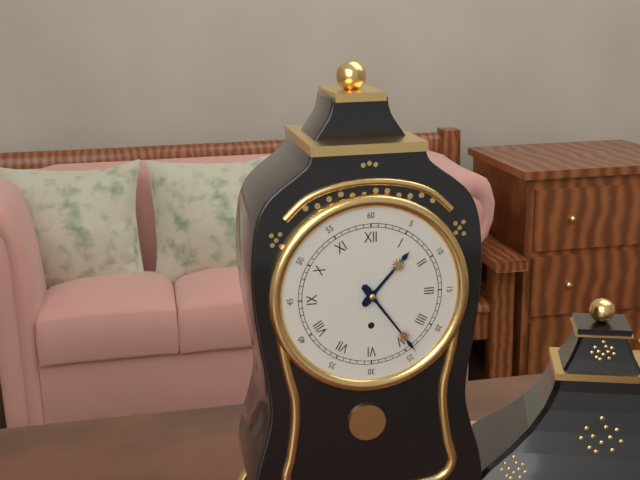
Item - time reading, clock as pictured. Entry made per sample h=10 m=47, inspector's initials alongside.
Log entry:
h=1 m=24
